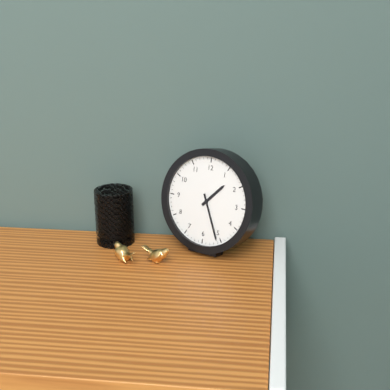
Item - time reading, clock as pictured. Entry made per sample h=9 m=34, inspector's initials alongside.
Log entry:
h=1 m=26
